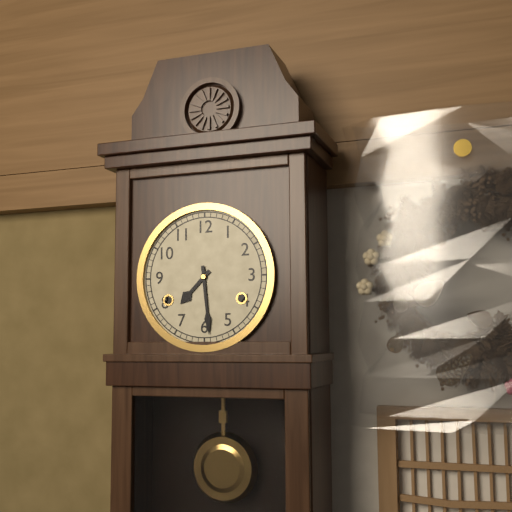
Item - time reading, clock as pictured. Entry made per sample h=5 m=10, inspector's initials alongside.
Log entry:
h=7 m=29
